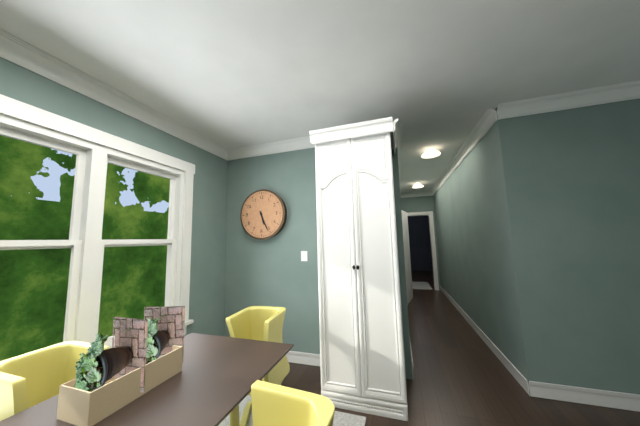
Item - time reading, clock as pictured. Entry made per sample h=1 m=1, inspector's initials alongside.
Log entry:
h=5 m=26
